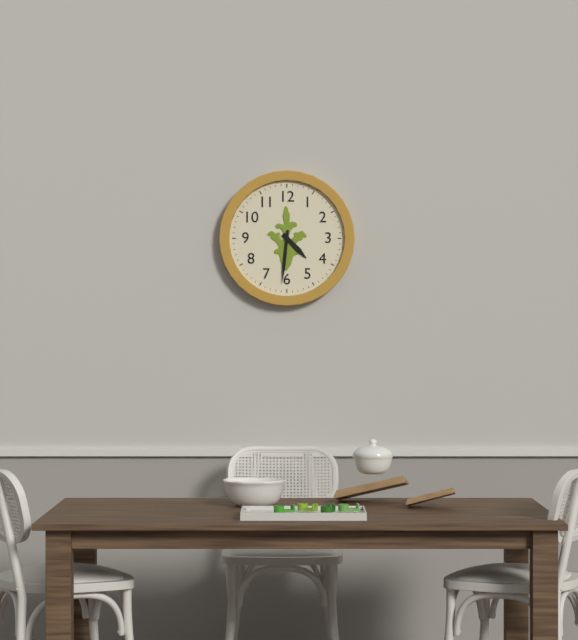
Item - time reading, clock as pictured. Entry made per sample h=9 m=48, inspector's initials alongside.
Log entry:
h=4 m=31
